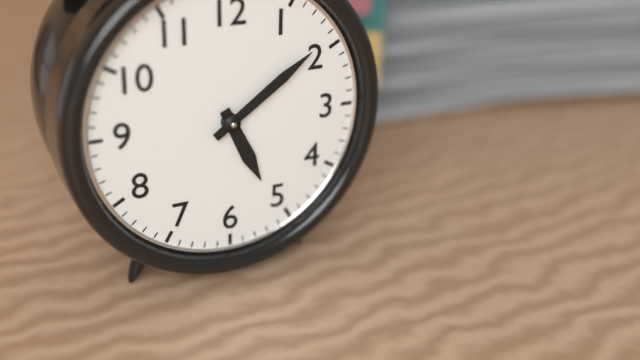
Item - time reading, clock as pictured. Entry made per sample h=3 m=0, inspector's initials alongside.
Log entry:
h=5 m=9
